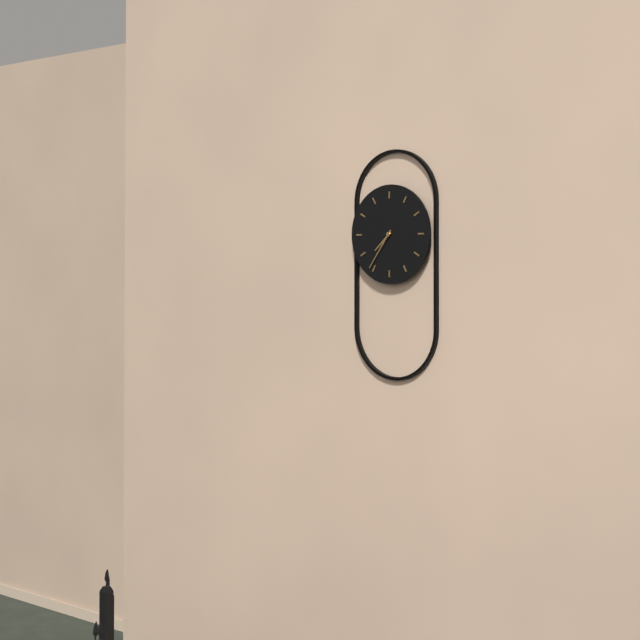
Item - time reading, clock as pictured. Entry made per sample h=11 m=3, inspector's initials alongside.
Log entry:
h=7 m=36
